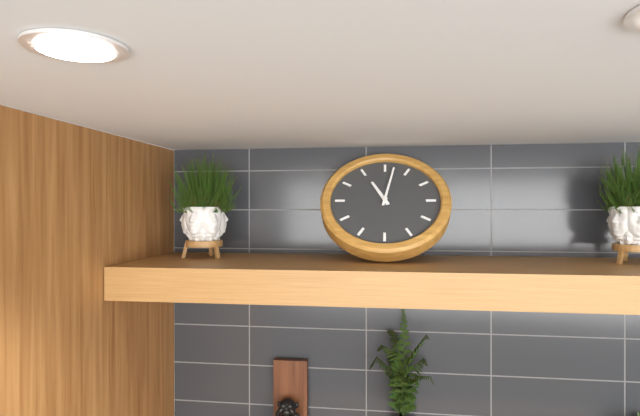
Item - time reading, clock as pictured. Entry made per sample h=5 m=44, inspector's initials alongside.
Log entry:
h=11 m=2
